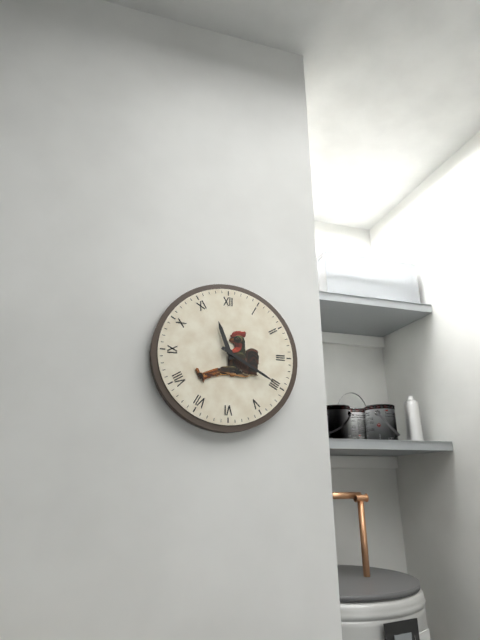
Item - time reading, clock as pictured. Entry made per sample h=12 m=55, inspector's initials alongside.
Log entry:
h=11 m=20
